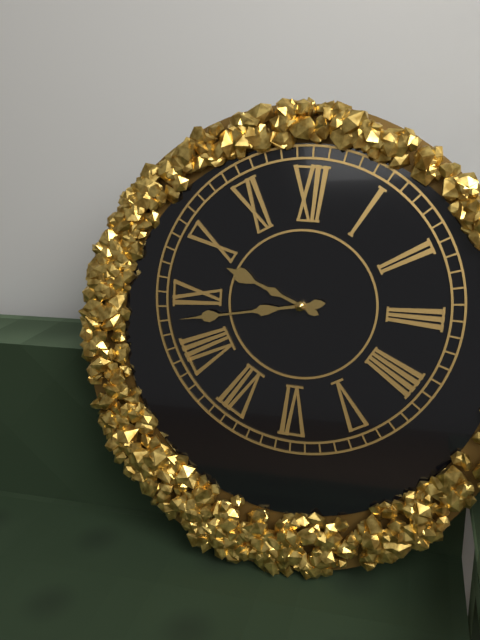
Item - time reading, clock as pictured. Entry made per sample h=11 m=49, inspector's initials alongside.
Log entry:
h=9 m=43
